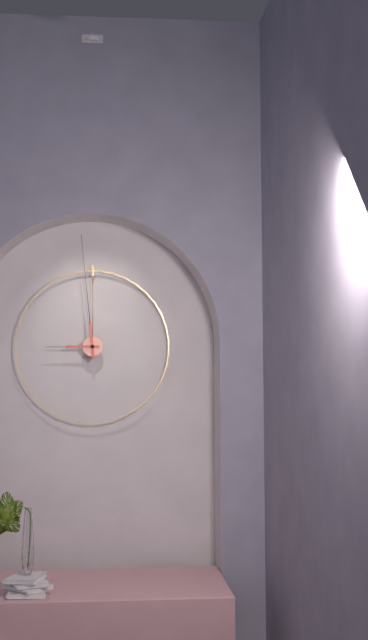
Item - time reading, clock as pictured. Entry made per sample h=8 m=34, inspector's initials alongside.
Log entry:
h=8 m=59
